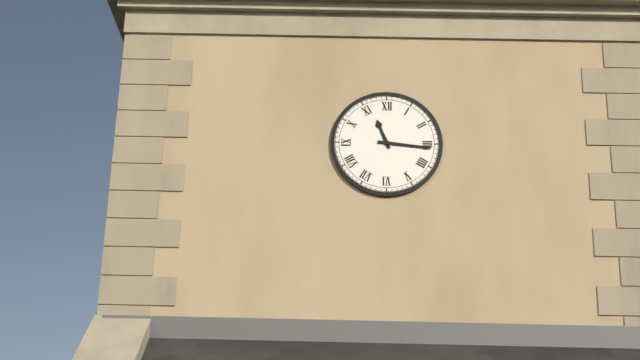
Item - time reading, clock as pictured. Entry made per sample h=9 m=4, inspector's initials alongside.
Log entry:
h=11 m=16
